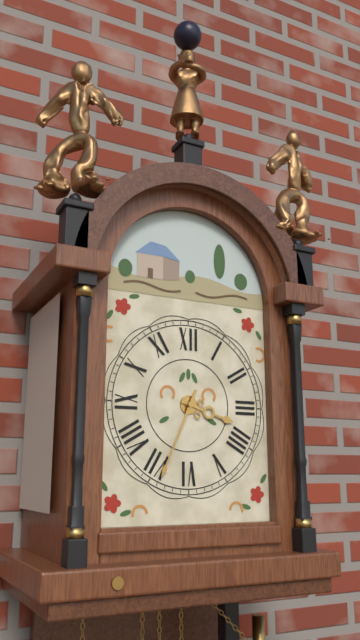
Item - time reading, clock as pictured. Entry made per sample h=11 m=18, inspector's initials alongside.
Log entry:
h=3 m=34
